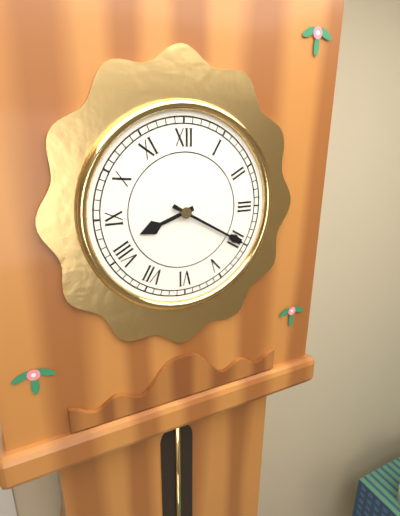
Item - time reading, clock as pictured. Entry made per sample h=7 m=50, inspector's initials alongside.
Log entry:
h=8 m=20
